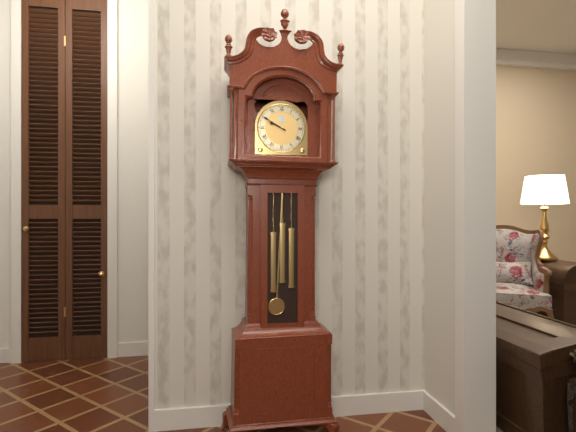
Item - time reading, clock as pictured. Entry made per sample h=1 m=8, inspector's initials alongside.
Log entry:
h=9 m=50
